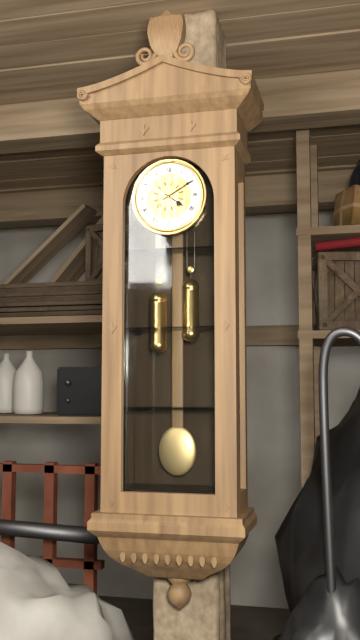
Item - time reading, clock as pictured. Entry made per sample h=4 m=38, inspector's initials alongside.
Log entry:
h=4 m=10
